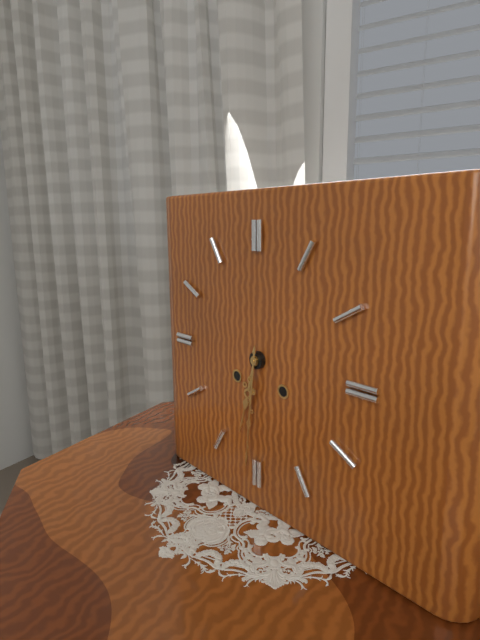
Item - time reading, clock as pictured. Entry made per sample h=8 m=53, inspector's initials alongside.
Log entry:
h=6 m=31
